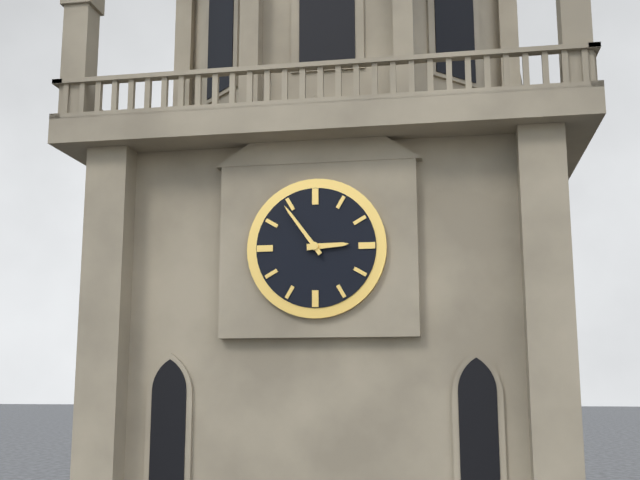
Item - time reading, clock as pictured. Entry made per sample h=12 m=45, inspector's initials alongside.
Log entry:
h=2 m=54
